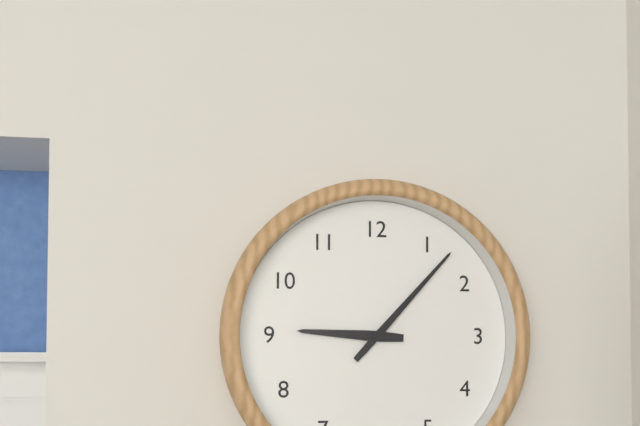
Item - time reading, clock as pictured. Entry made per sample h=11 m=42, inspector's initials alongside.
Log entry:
h=9 m=7
